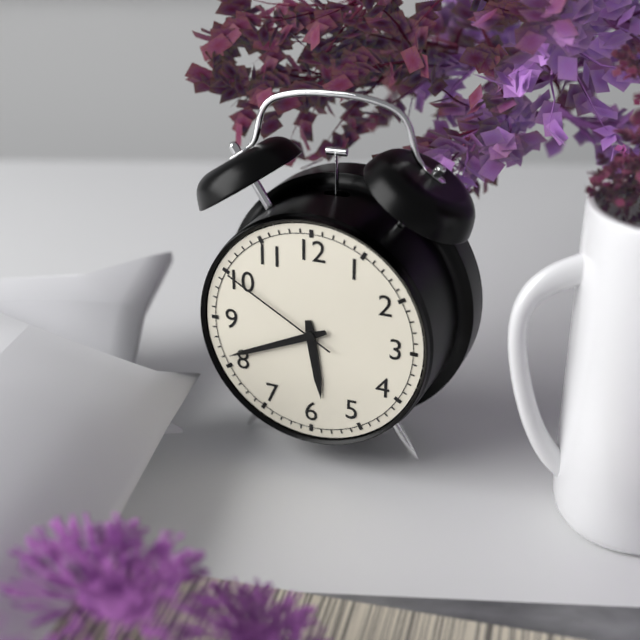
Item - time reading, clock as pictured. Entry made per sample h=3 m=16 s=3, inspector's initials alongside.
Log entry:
h=5 m=41 s=50
